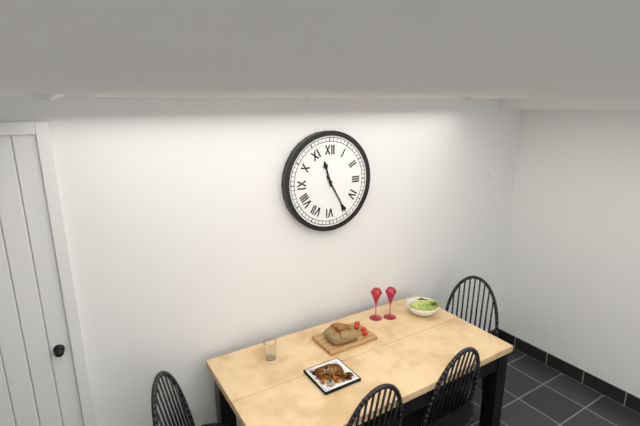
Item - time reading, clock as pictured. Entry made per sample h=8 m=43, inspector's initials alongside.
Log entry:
h=11 m=25
